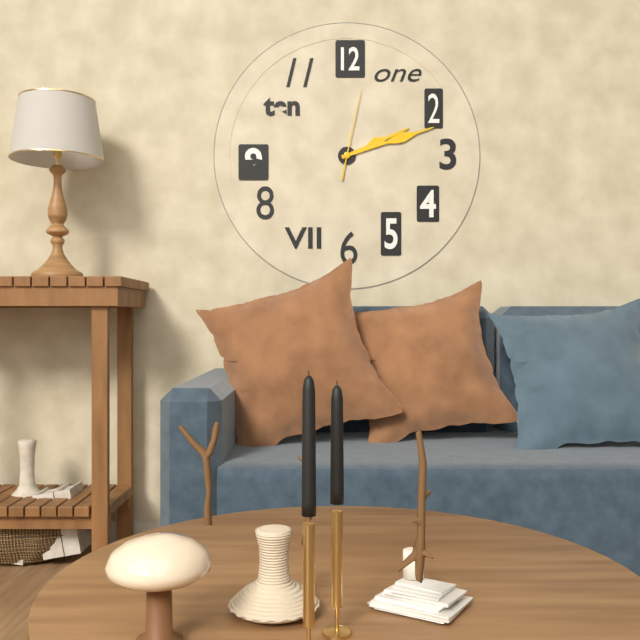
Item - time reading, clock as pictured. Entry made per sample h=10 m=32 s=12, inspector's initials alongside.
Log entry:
h=2 m=12 s=2
